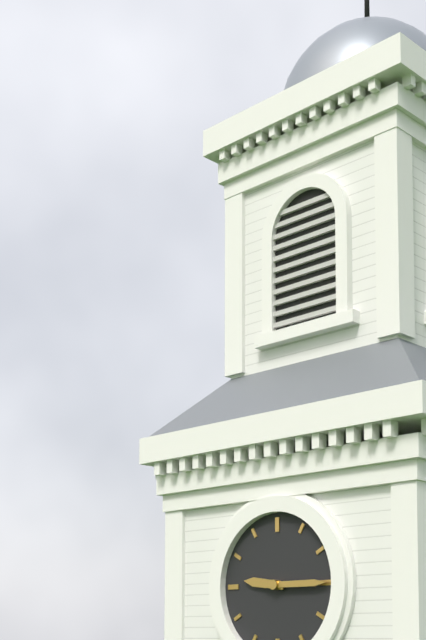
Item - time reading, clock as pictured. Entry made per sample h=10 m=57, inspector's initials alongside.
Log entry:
h=9 m=15
